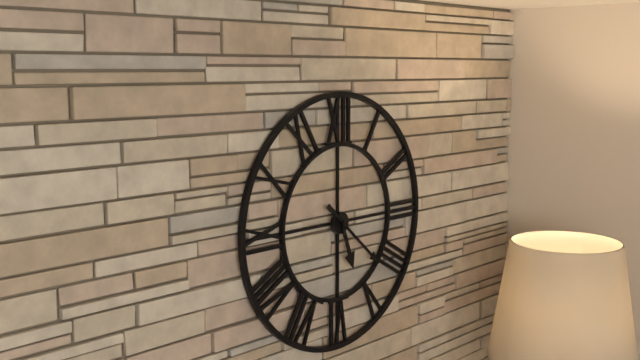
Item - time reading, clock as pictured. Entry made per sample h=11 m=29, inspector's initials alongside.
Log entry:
h=5 m=22
